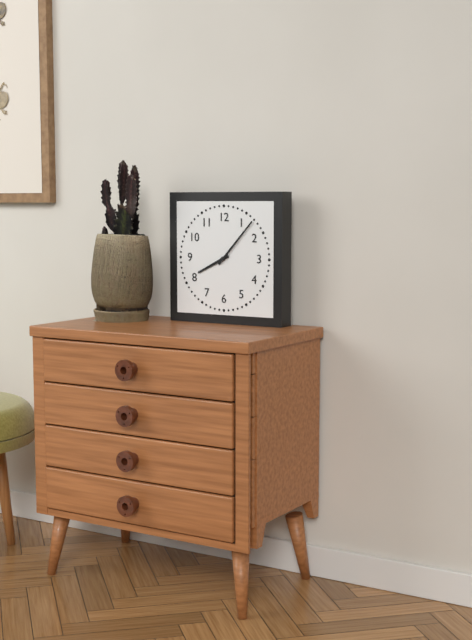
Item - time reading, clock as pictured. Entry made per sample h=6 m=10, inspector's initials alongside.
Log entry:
h=8 m=7
